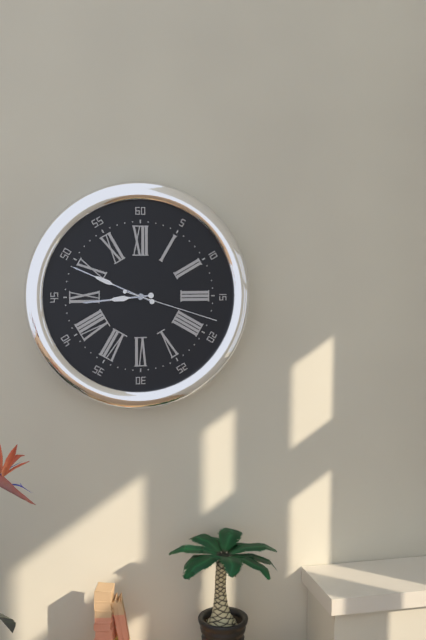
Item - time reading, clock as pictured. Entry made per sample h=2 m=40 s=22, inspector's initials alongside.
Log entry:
h=8 m=49 s=18
